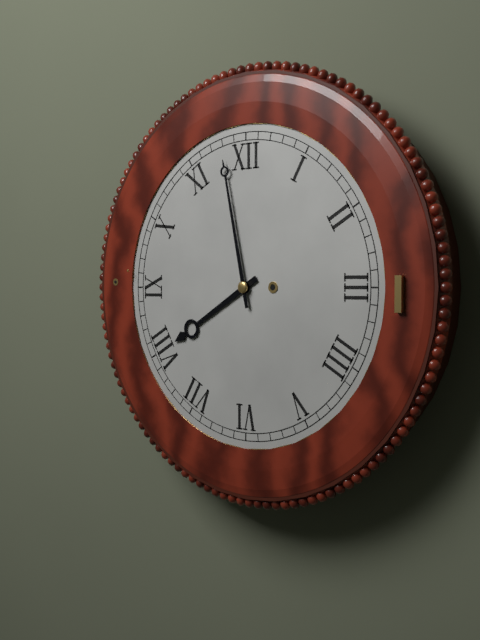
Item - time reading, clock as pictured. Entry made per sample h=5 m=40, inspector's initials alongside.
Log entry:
h=7 m=58
